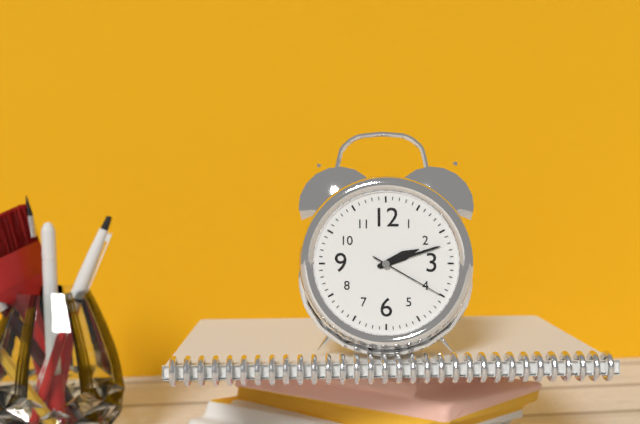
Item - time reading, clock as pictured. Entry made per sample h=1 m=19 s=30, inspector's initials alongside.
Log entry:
h=2 m=12 s=20
